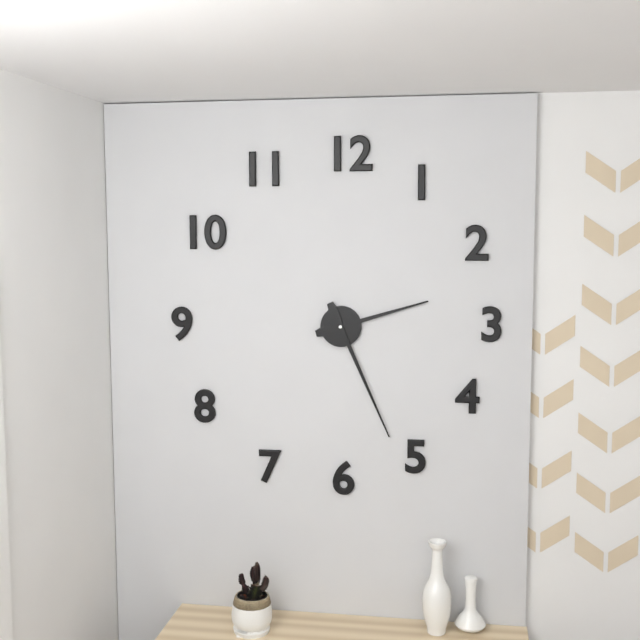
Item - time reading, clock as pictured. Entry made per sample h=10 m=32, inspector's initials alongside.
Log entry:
h=2 m=26
